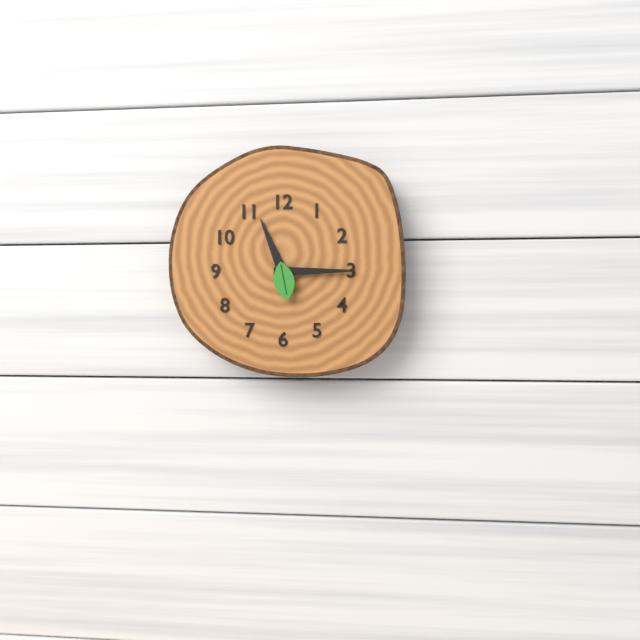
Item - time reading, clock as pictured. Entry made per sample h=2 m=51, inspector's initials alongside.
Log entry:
h=11 m=15
